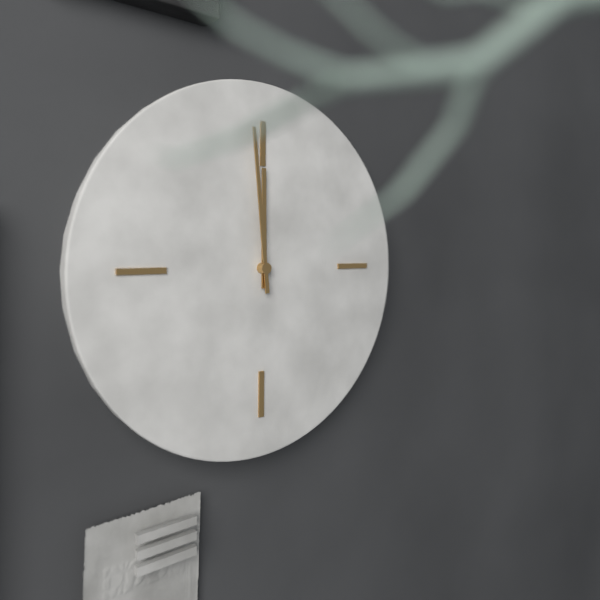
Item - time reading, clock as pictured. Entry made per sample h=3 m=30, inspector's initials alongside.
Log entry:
h=11 m=59
